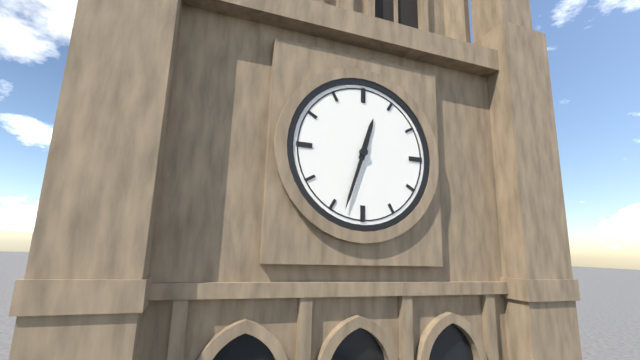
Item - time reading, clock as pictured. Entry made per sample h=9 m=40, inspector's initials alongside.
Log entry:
h=12 m=33
